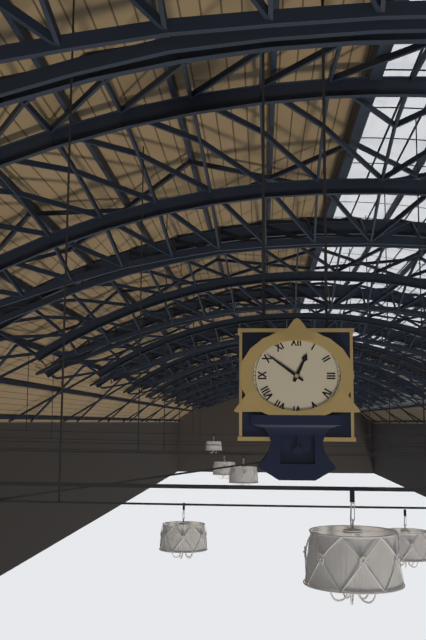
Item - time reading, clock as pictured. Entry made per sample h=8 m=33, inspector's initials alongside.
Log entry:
h=12 m=51
